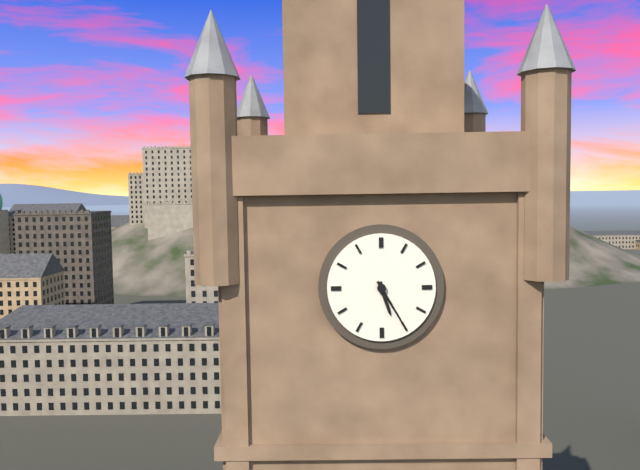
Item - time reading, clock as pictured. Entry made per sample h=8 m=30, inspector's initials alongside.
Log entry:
h=5 m=25
